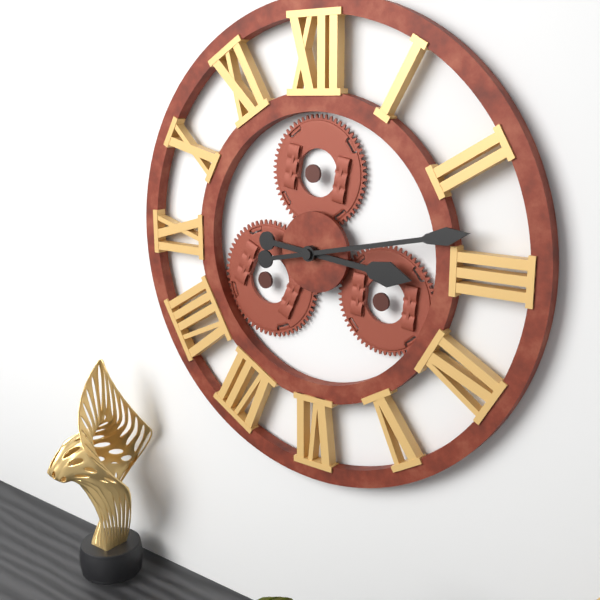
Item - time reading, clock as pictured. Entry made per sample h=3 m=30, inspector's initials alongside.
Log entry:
h=3 m=13
